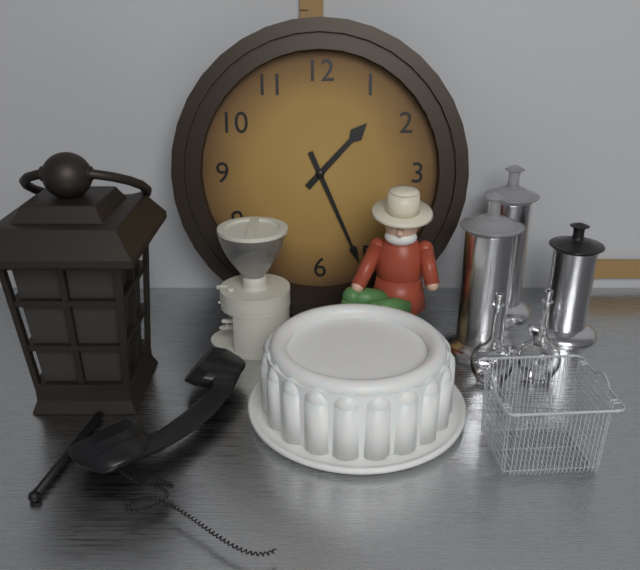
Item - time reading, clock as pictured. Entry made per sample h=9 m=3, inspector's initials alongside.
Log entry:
h=1 m=26
